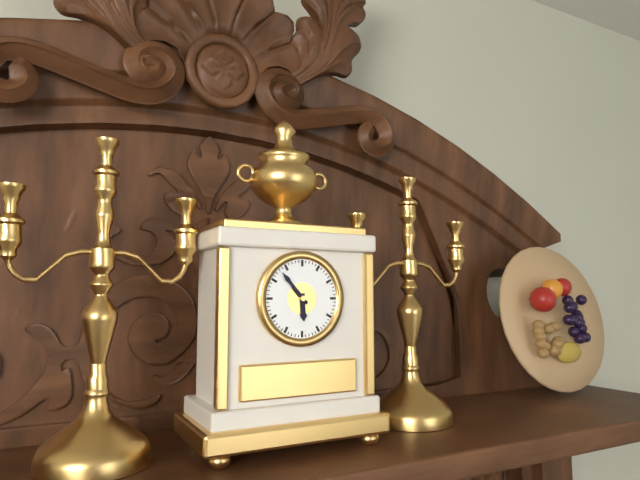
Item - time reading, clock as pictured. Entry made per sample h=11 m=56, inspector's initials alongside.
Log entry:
h=5 m=53
